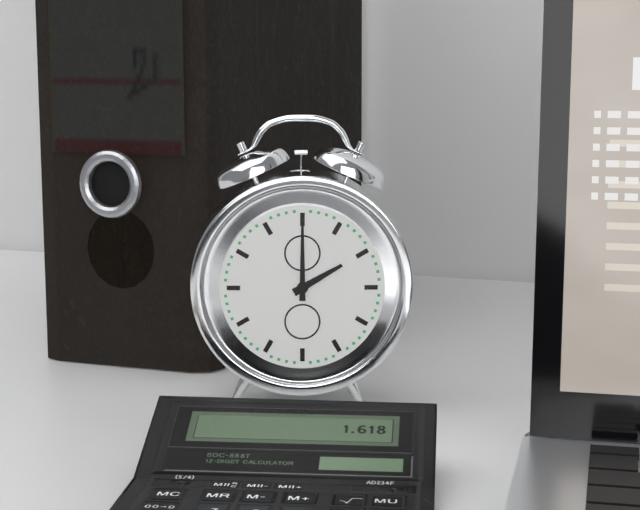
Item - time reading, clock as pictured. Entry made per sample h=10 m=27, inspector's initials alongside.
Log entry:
h=2 m=0
